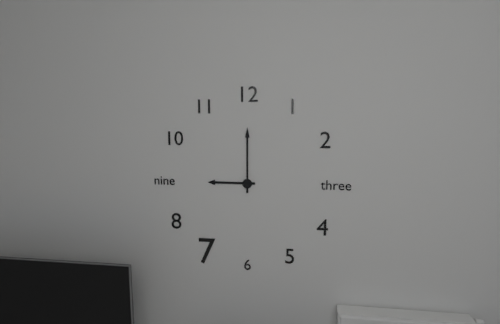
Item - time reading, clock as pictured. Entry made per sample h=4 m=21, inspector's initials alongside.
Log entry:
h=9 m=0
